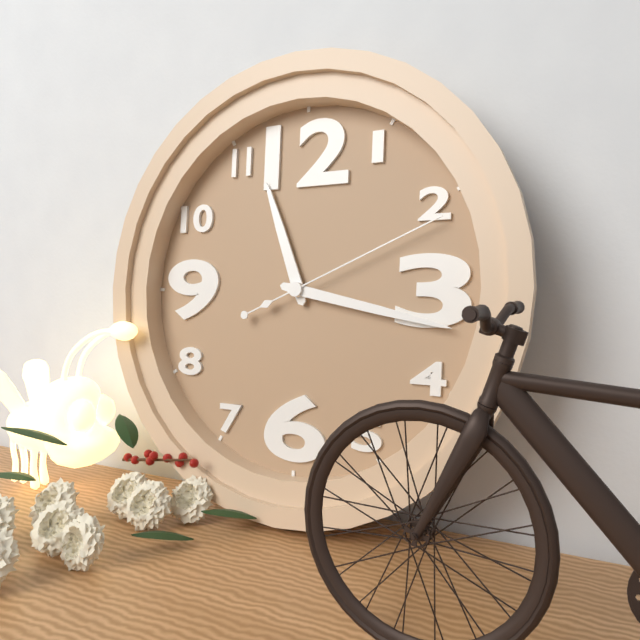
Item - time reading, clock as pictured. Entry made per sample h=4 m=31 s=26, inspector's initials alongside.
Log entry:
h=11 m=17 s=11
